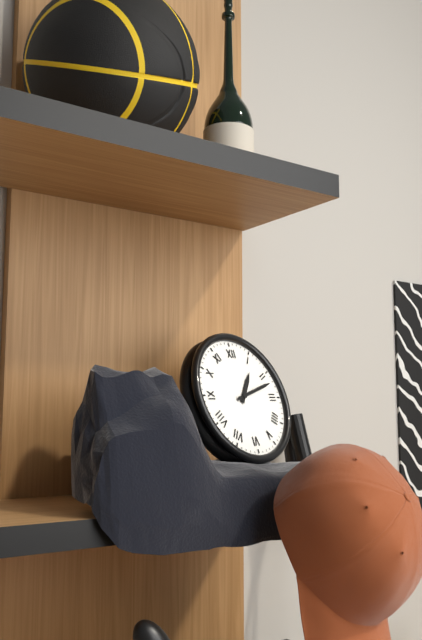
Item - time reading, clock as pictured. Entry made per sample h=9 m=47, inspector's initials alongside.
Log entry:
h=1 m=12
